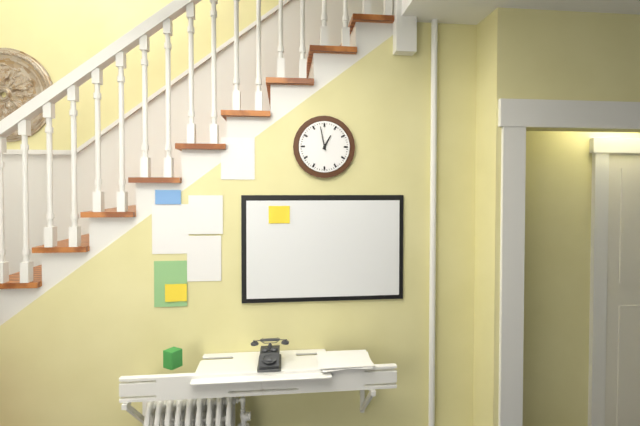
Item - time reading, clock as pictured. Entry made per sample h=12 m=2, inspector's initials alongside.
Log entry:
h=12 m=58
